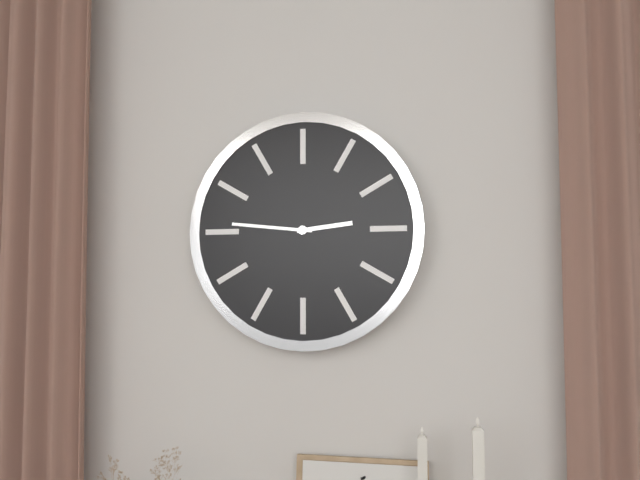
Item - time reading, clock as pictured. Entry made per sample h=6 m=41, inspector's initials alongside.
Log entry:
h=2 m=46
